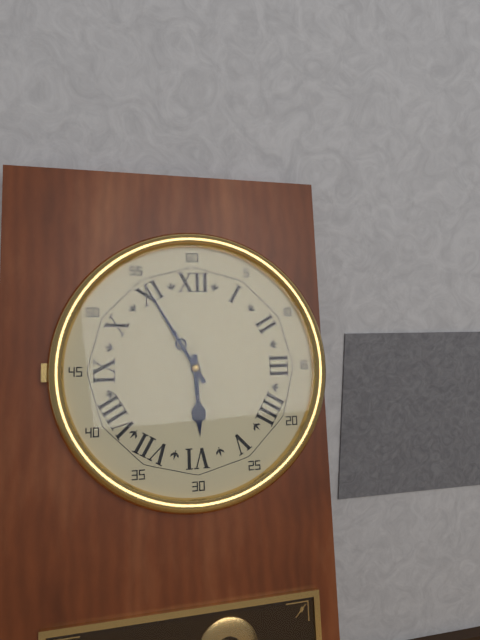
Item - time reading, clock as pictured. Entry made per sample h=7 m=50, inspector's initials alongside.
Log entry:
h=5 m=55
